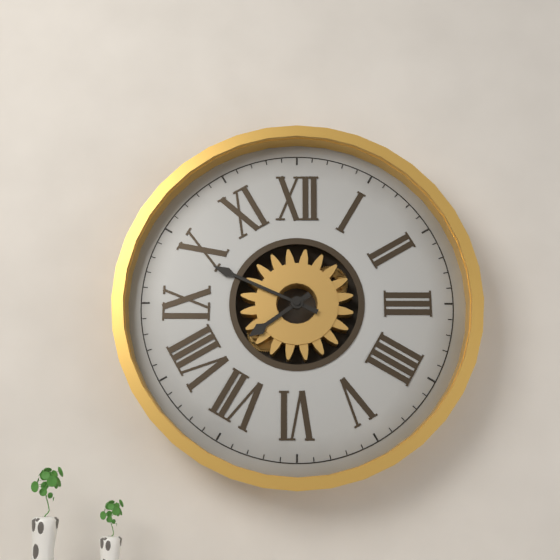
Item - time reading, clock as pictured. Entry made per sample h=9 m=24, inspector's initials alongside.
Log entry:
h=7 m=49
